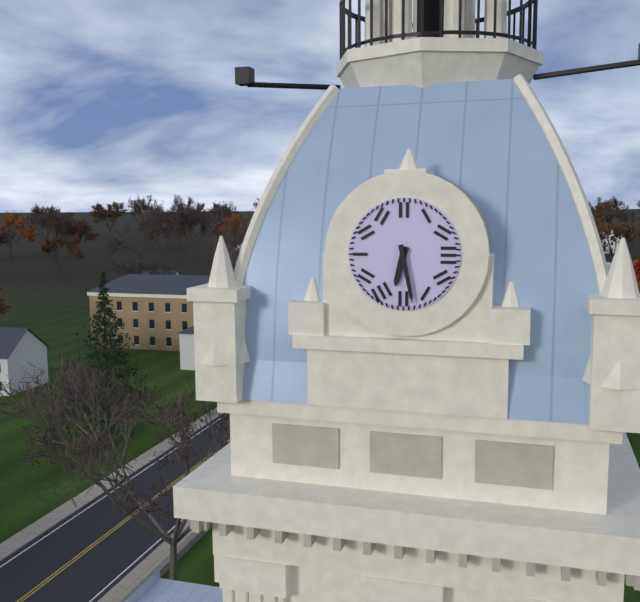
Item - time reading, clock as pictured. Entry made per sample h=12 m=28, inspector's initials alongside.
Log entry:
h=6 m=28
